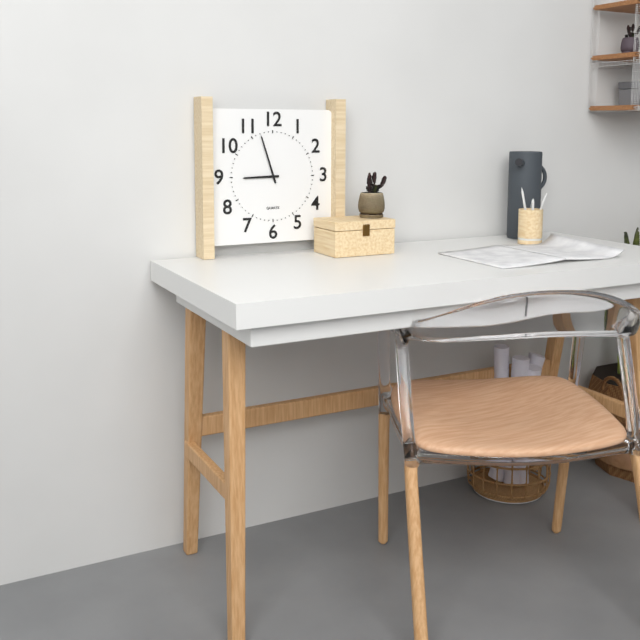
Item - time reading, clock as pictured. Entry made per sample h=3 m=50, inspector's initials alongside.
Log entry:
h=8 m=57
